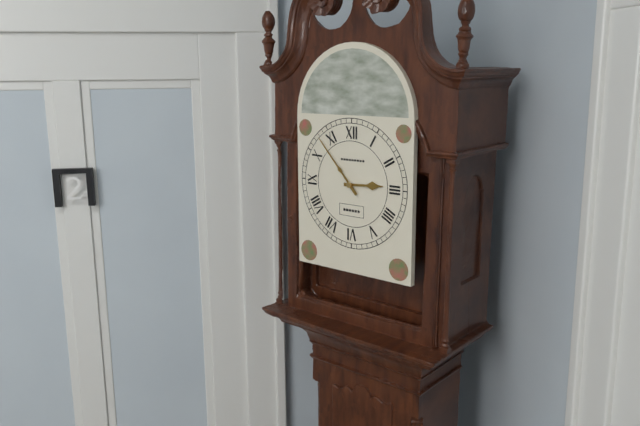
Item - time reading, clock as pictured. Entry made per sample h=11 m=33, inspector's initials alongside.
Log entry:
h=2 m=53
